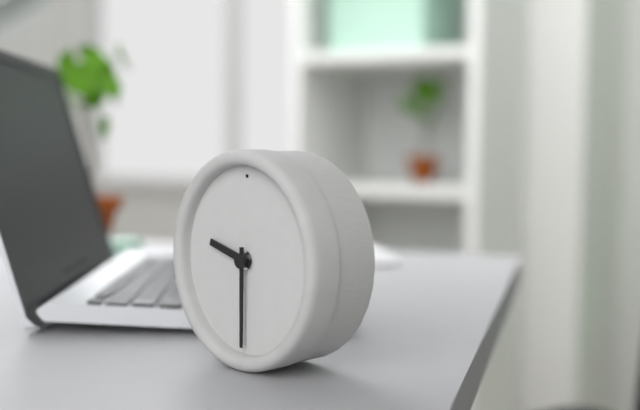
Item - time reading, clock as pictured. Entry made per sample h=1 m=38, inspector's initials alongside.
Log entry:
h=9 m=30
